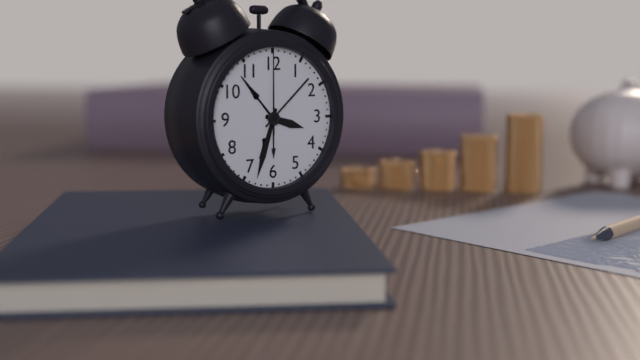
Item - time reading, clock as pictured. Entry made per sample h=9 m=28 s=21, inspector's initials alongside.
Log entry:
h=3 m=33 s=0
